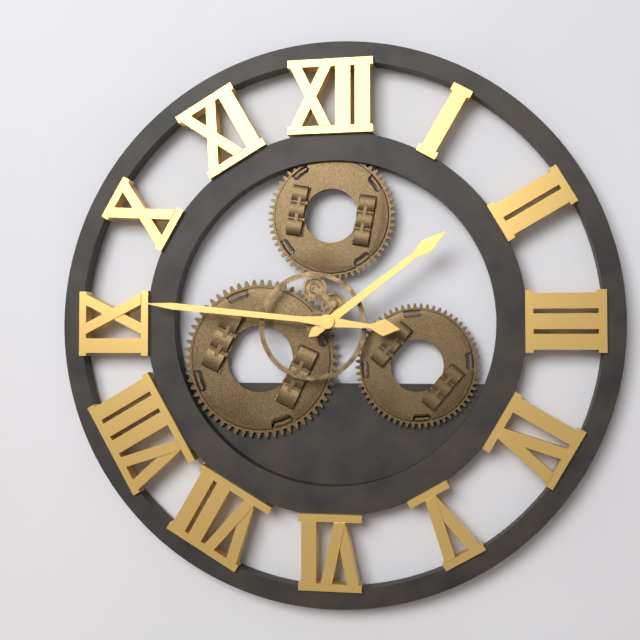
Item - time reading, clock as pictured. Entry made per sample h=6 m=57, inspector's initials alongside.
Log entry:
h=1 m=46
